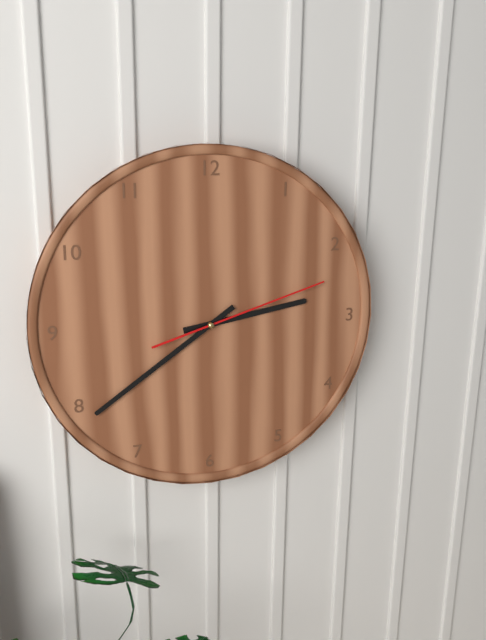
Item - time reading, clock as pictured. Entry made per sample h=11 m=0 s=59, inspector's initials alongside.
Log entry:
h=2 m=39 s=12
